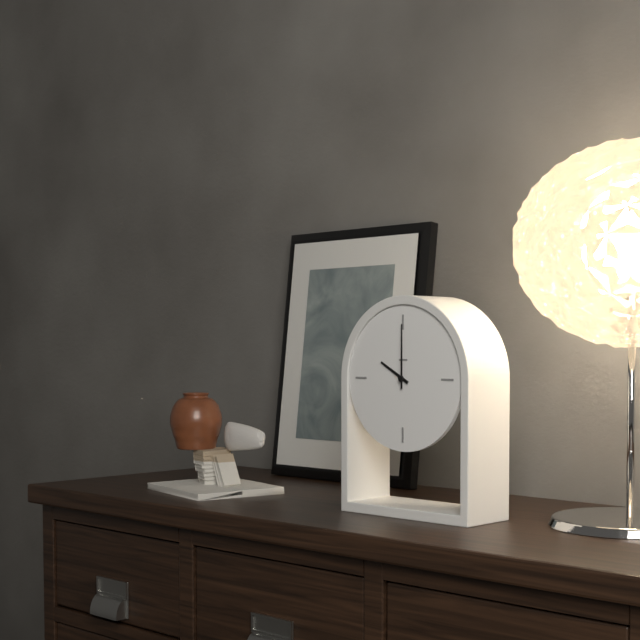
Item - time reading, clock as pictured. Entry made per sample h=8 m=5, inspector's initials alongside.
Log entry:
h=10 m=0
